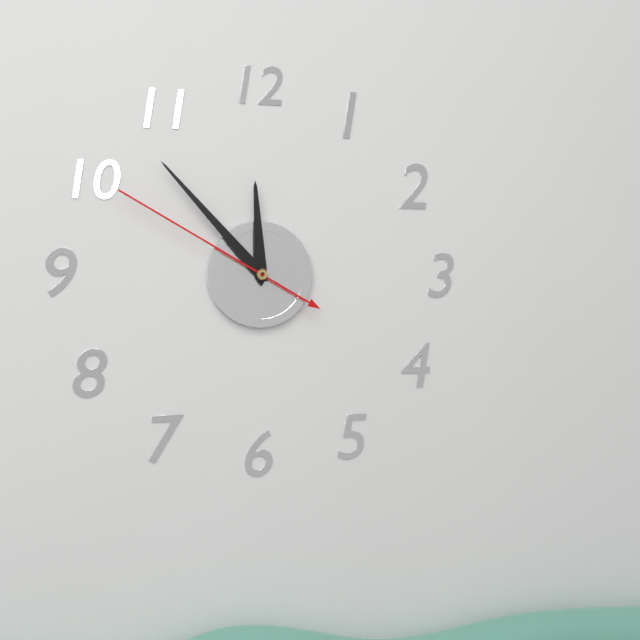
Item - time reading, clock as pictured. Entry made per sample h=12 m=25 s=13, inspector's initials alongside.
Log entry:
h=11 m=53 s=50
